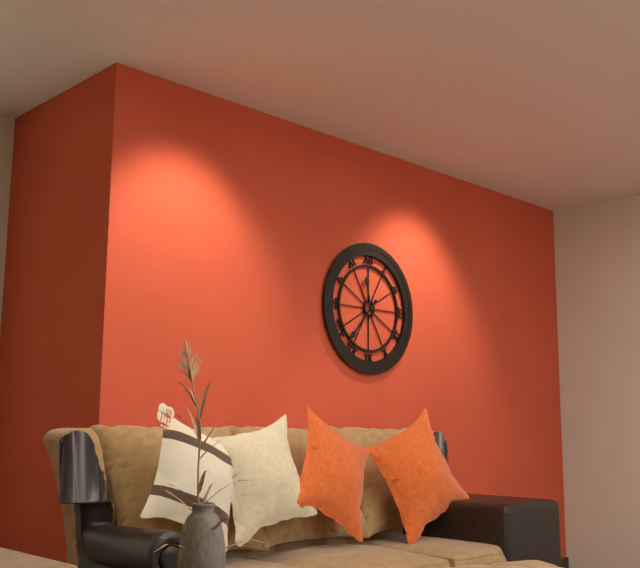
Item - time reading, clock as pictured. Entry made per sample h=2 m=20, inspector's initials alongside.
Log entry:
h=11 m=37
